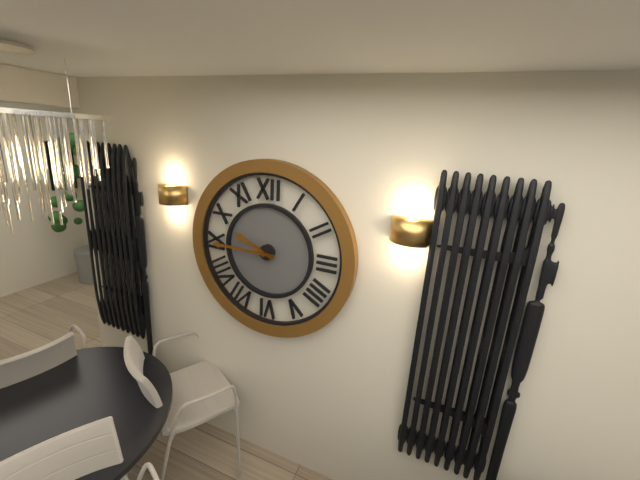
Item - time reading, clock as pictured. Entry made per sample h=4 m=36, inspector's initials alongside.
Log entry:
h=9 m=45
